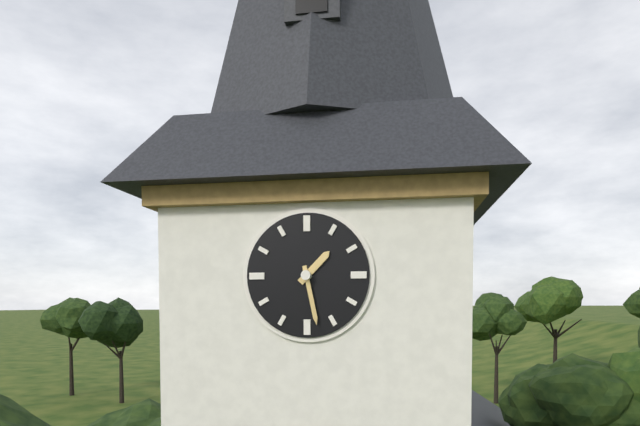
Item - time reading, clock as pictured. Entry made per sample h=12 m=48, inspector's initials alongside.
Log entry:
h=1 m=28
